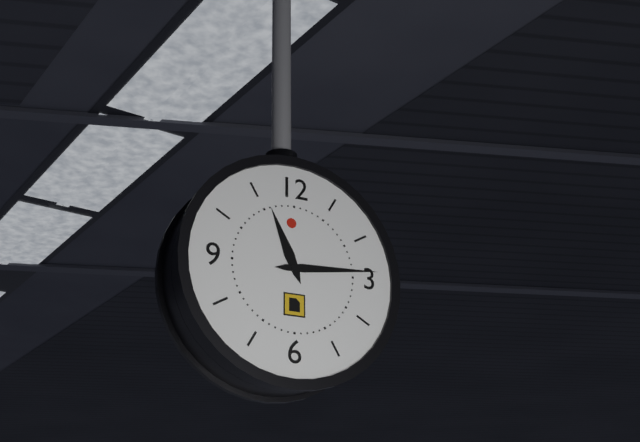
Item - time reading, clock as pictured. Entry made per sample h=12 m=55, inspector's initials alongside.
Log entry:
h=11 m=14
